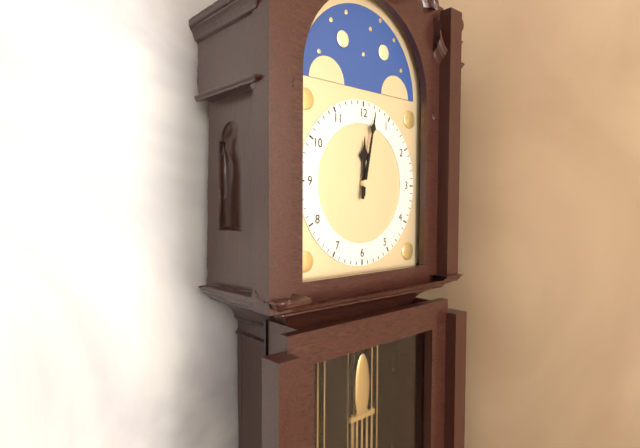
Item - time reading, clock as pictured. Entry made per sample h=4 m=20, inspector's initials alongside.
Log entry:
h=12 m=2
